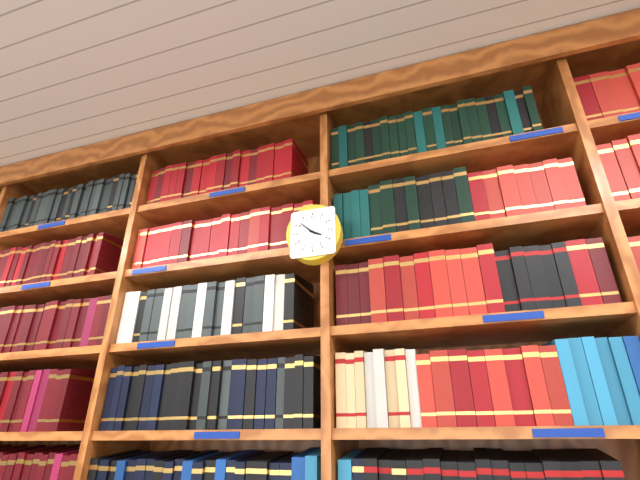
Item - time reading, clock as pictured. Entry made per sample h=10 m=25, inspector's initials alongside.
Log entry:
h=3 m=52
